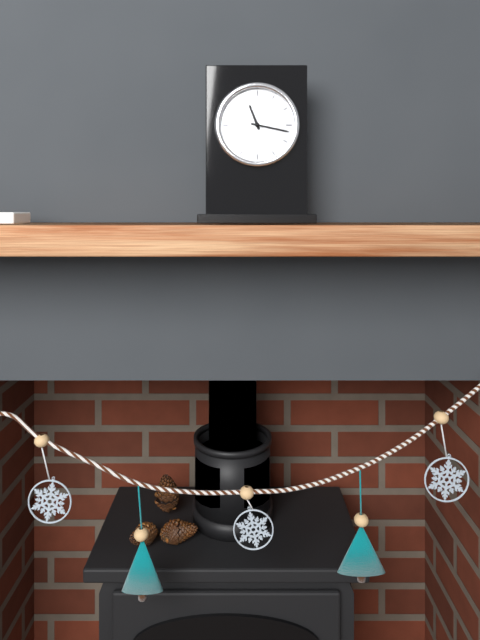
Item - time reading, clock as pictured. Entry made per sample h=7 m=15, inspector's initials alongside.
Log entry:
h=11 m=17
